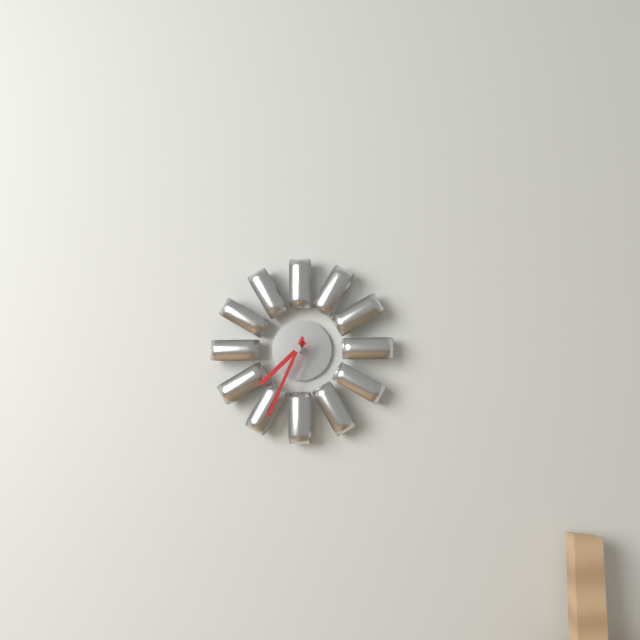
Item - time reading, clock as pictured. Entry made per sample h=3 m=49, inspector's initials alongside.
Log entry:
h=7 m=34
